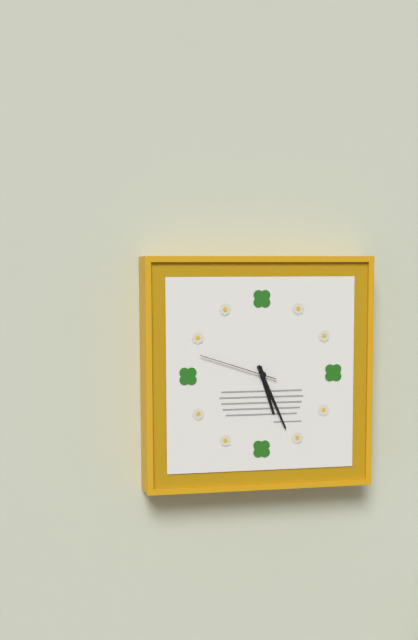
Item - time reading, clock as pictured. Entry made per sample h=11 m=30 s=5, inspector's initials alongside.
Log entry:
h=5 m=26 s=48
